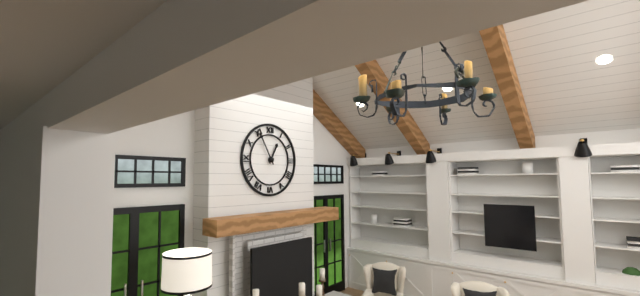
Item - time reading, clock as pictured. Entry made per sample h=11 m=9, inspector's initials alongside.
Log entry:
h=12 m=55
